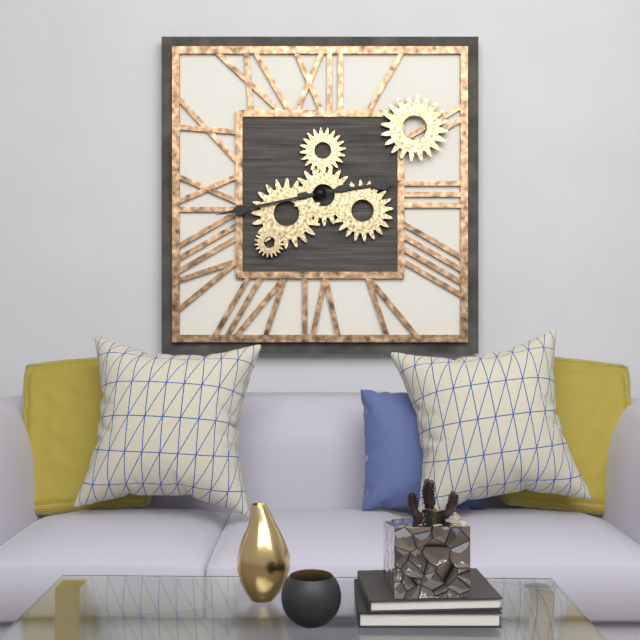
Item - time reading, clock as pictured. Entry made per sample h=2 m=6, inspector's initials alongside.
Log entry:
h=2 m=43
